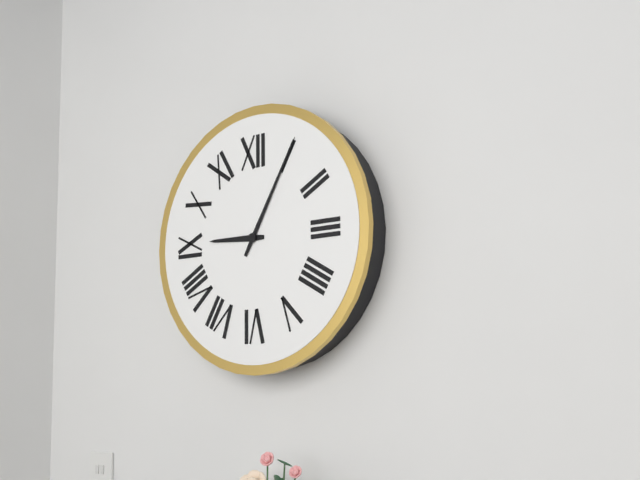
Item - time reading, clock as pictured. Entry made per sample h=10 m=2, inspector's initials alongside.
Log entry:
h=9 m=5
